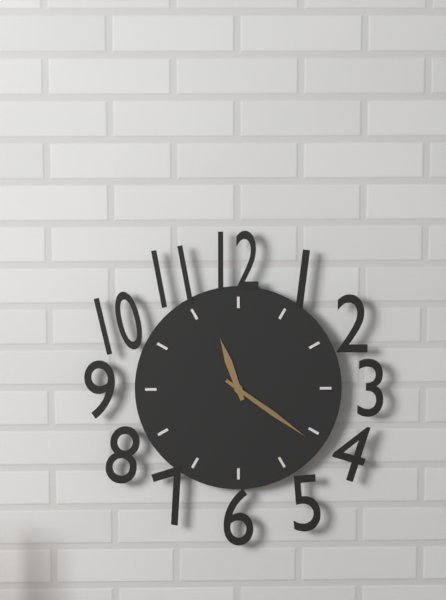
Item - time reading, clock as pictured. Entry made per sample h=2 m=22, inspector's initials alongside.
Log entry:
h=11 m=21
